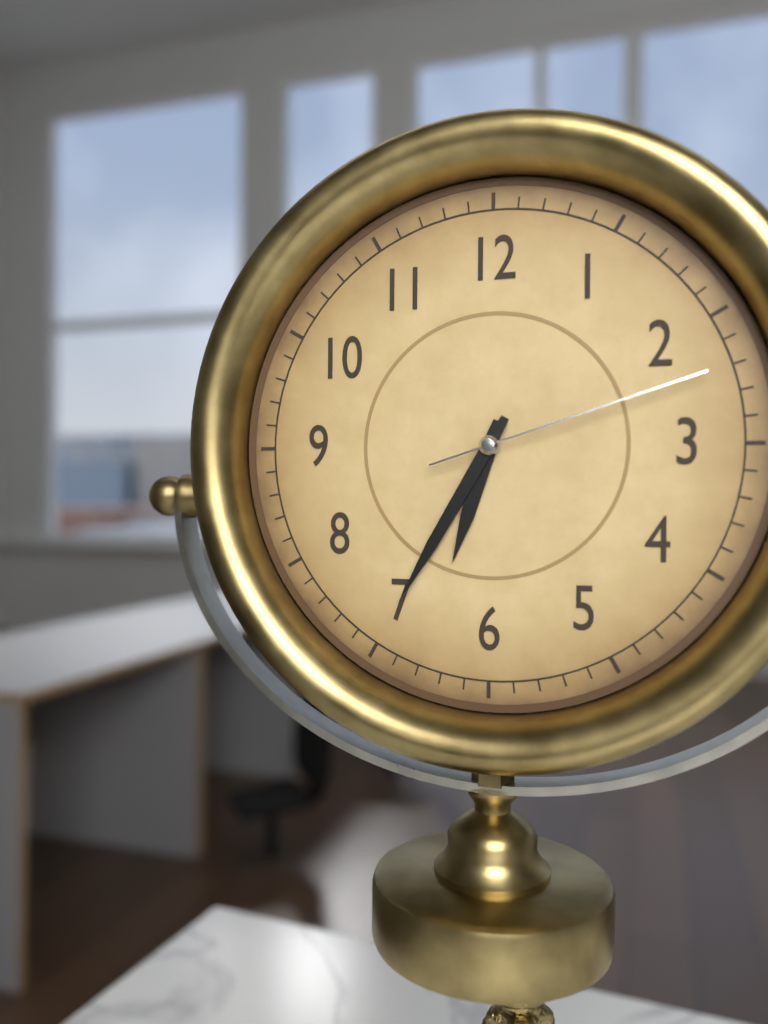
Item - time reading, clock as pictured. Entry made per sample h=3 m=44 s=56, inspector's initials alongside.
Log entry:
h=6 m=35 s=12
